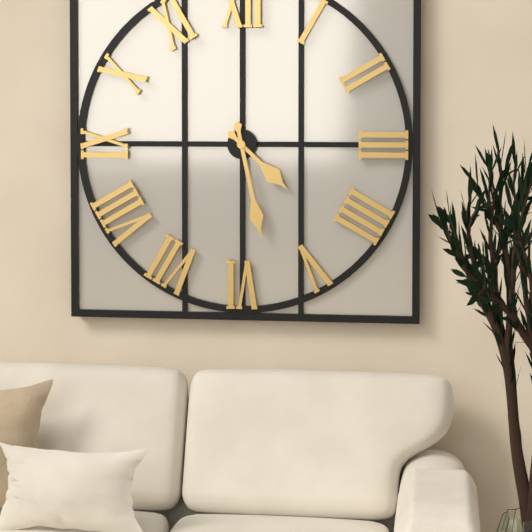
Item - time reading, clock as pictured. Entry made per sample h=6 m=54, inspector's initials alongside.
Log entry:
h=4 m=28
